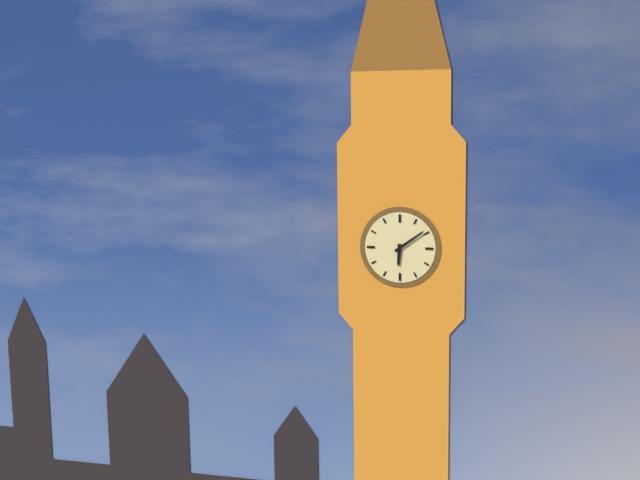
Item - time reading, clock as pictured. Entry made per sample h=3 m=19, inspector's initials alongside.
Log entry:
h=6 m=9
